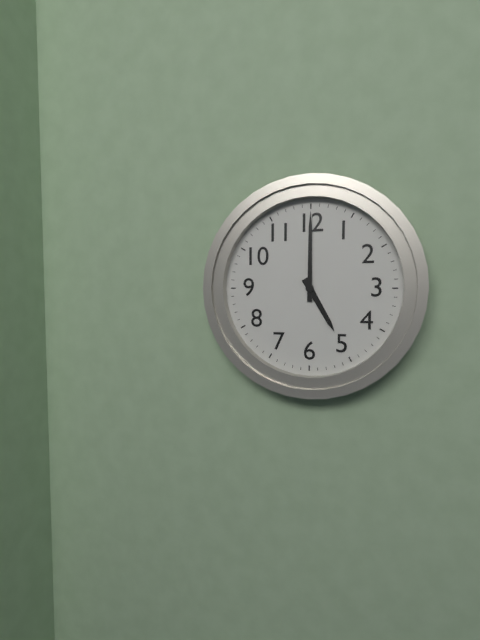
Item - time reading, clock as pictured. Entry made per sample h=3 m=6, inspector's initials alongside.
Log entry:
h=5 m=0
